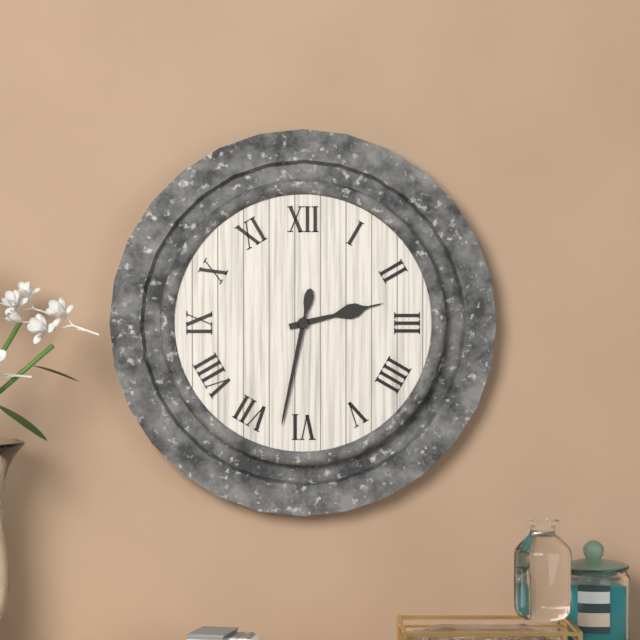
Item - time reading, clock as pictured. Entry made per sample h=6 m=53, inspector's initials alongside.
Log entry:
h=2 m=32
